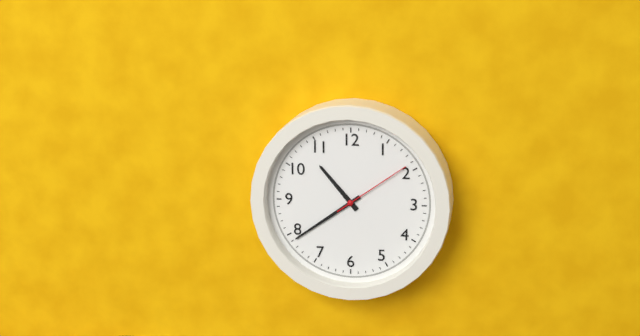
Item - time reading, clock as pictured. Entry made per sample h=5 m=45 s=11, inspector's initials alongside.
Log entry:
h=10 m=39 s=9
